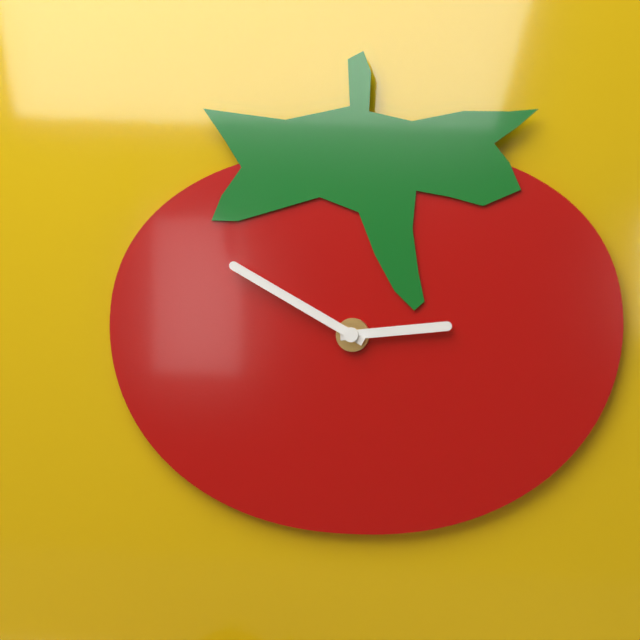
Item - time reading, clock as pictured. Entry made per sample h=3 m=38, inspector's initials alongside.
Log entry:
h=2 m=50
